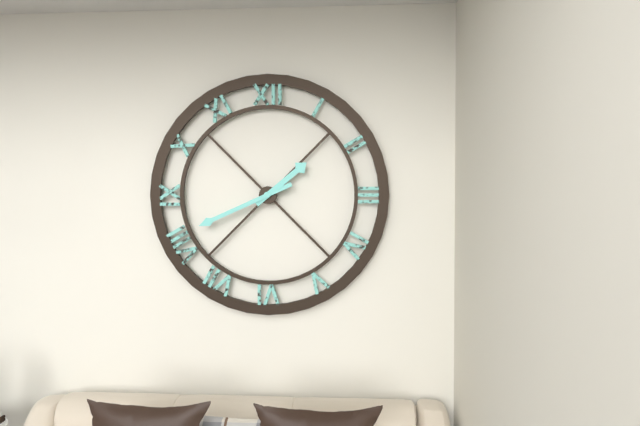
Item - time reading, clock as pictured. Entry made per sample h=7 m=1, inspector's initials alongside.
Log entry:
h=1 m=41
